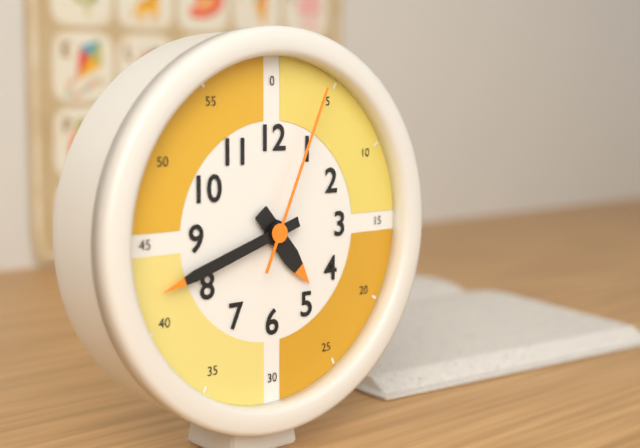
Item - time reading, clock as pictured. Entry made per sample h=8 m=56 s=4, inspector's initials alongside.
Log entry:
h=4 m=42 s=4
